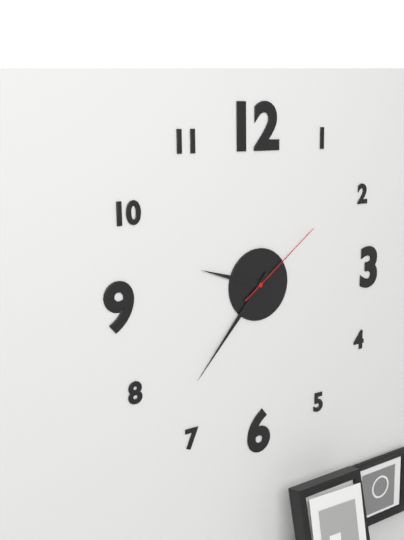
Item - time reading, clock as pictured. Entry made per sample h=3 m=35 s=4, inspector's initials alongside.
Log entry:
h=9 m=37 s=9
